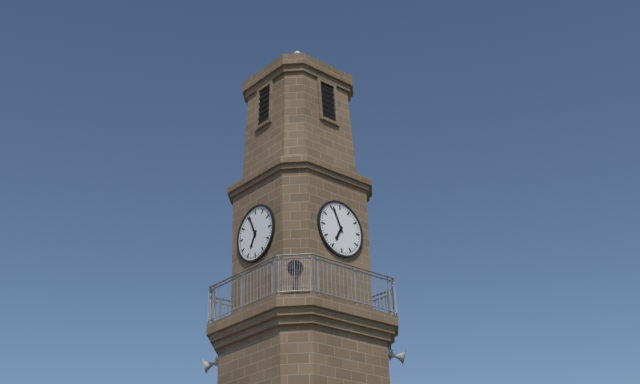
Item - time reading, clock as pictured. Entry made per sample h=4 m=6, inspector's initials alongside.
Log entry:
h=6 m=56
